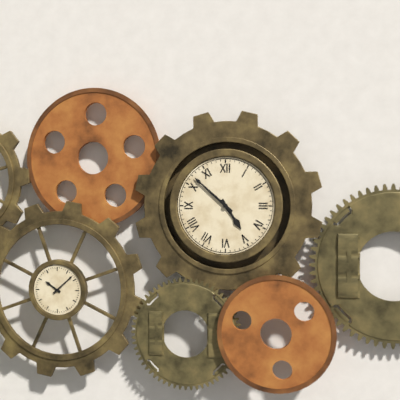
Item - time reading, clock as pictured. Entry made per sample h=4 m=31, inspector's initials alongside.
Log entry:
h=4 m=52
